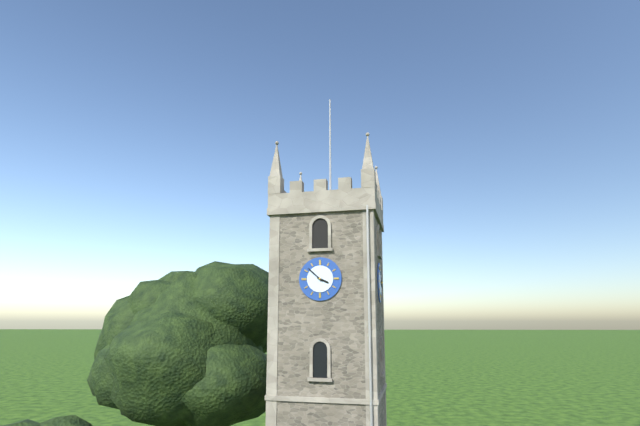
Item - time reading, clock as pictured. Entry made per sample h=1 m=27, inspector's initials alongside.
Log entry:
h=3 m=52
